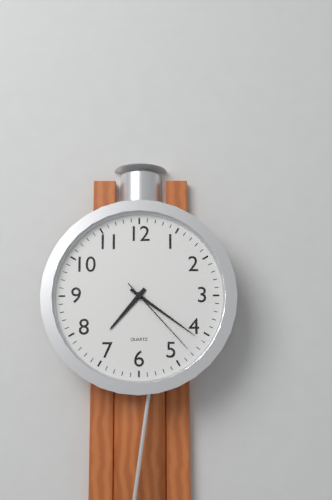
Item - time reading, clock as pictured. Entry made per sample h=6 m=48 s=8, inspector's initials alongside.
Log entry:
h=7 m=21 s=23
